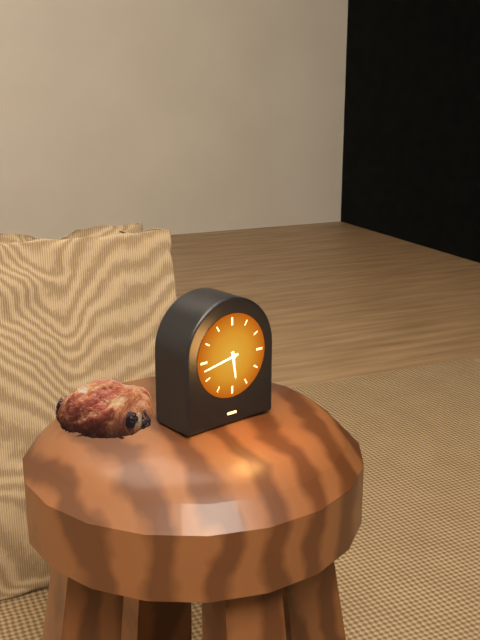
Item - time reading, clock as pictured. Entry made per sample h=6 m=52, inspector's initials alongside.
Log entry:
h=5 m=43
